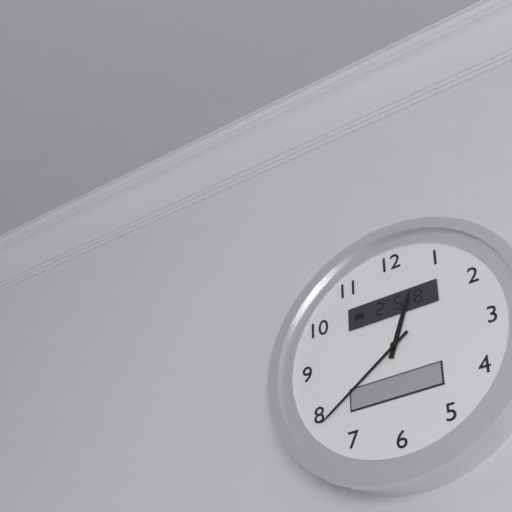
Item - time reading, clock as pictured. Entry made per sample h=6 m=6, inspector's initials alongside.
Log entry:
h=12 m=39
